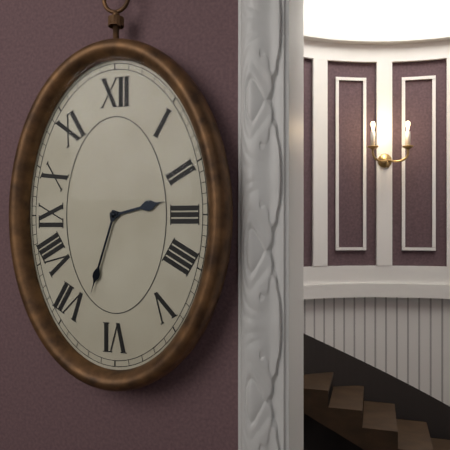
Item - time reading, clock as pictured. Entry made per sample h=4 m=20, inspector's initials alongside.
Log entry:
h=2 m=33
